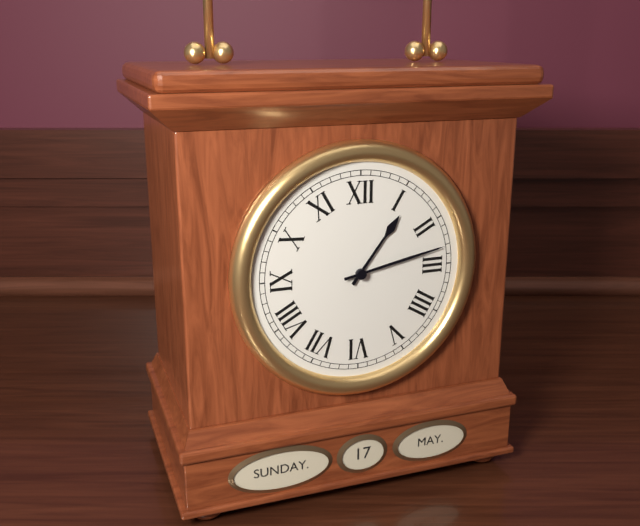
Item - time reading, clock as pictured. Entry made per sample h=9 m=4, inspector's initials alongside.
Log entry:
h=1 m=13
